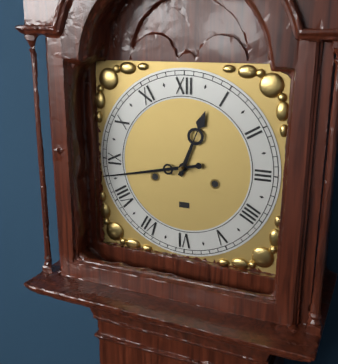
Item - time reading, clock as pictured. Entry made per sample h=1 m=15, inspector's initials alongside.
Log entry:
h=12 m=43
